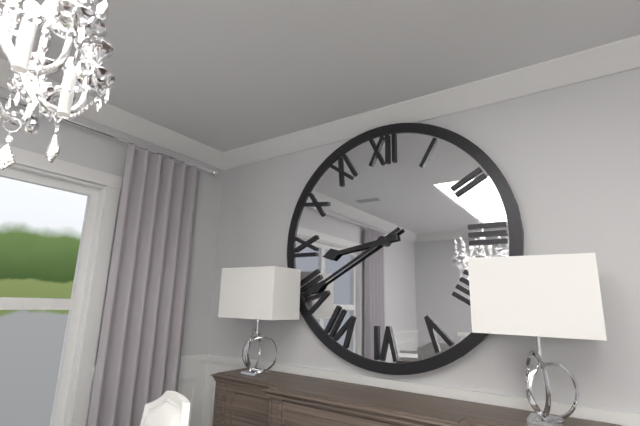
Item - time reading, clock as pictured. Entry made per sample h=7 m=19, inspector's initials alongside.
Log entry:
h=8 m=40
